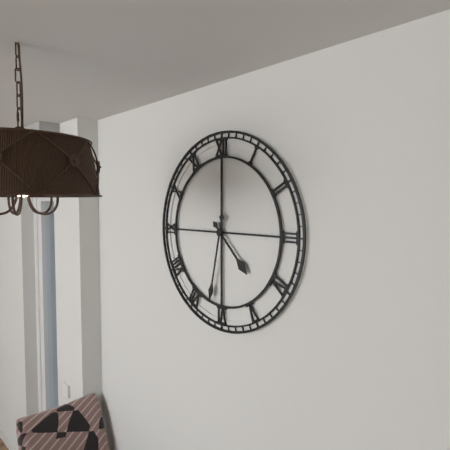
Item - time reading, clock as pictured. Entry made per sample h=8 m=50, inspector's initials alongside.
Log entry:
h=4 m=32
